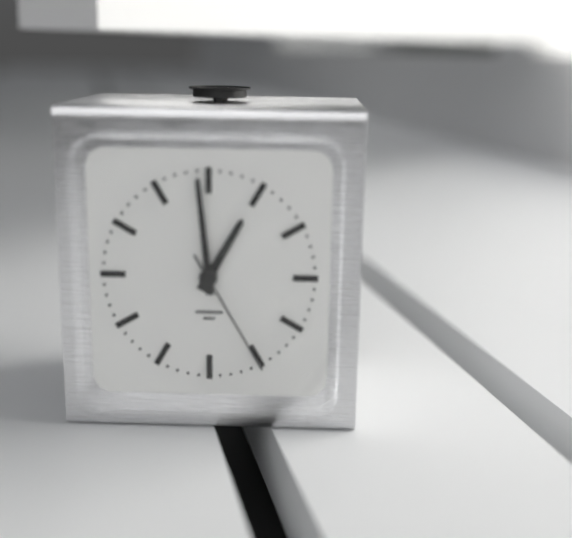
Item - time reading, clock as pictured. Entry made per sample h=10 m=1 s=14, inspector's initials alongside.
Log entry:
h=12 m=59 s=25
